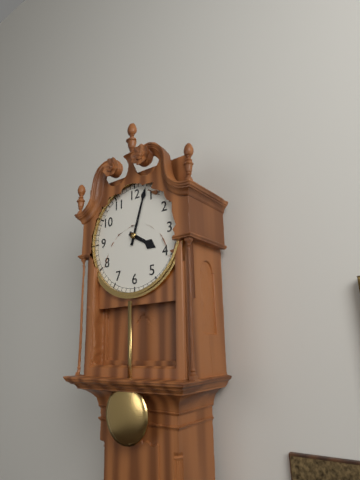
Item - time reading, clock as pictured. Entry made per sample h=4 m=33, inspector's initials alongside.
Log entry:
h=4 m=3
